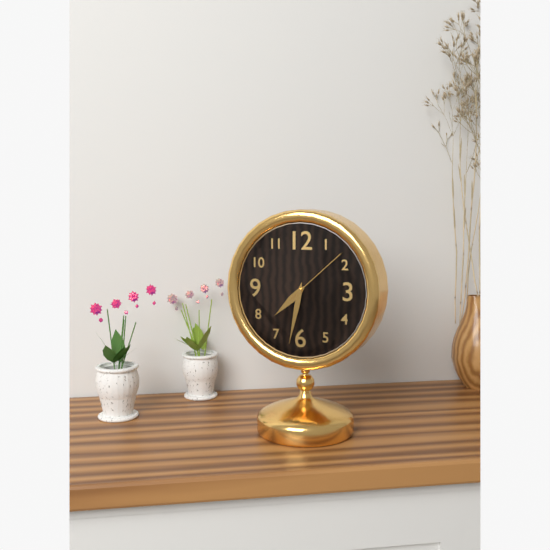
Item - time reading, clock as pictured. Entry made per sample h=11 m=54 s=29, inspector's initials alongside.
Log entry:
h=7 m=32 s=8
